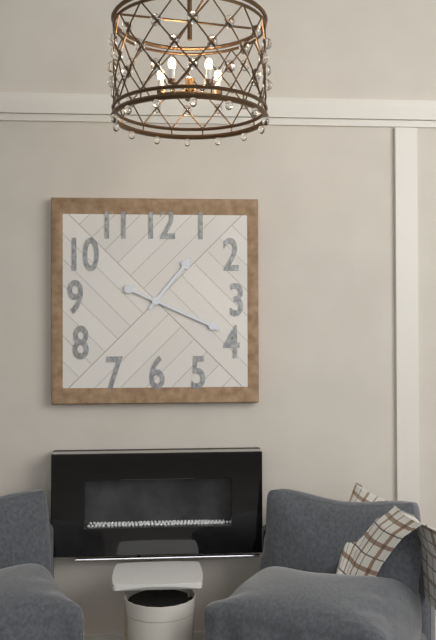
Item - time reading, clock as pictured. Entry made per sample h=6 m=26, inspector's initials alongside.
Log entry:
h=1 m=19
